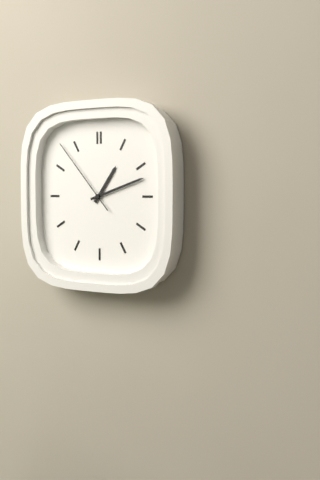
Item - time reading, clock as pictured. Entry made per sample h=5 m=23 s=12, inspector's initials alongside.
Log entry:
h=1 m=12 s=53
